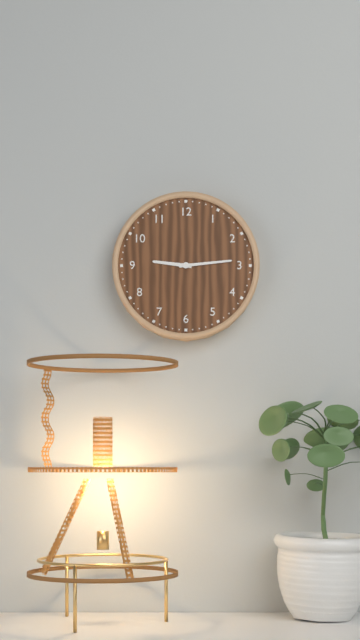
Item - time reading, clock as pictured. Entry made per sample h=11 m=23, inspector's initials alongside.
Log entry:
h=9 m=14
